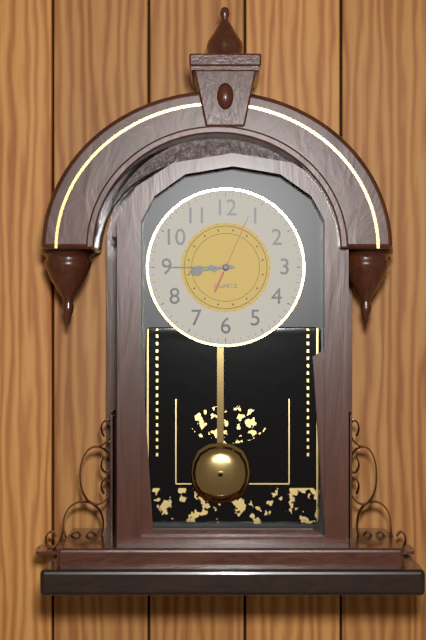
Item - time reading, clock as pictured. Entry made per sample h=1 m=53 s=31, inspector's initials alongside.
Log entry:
h=8 m=45 s=4
